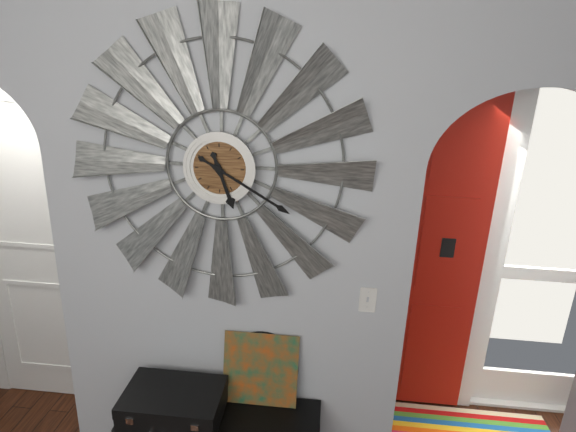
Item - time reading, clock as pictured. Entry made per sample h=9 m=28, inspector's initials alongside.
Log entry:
h=5 m=20
